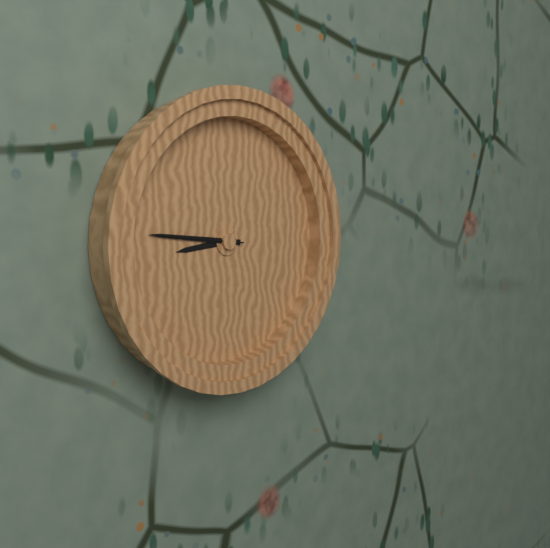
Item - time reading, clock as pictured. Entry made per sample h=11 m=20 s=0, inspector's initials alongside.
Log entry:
h=8 m=46 s=46
